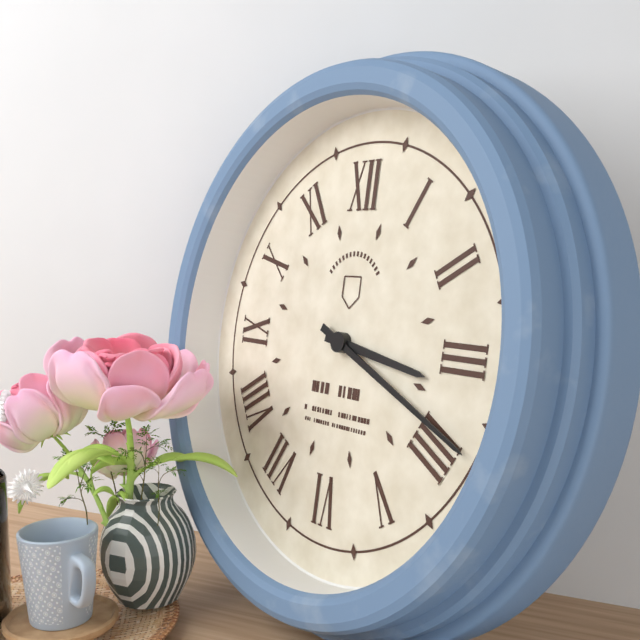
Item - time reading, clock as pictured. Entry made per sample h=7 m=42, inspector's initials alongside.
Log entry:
h=3 m=19
